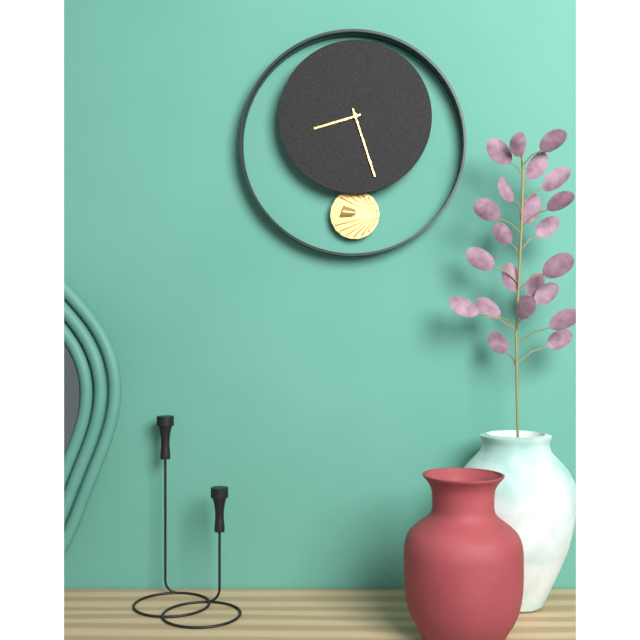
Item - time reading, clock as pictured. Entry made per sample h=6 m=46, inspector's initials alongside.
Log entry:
h=8 m=27
